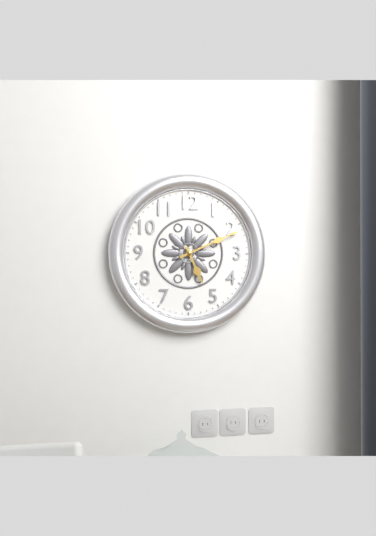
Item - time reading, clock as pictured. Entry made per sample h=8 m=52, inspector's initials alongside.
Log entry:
h=5 m=11
